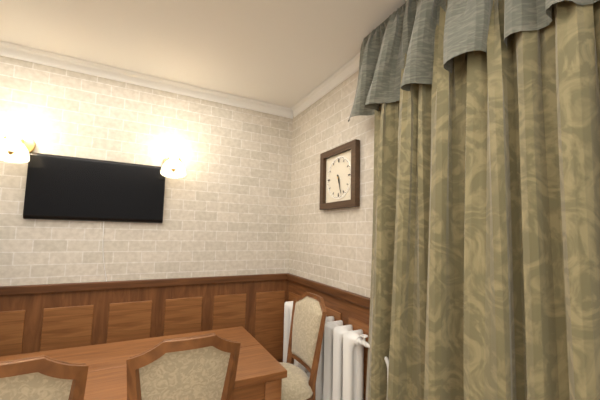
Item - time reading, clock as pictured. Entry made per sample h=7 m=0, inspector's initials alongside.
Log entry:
h=5 m=27
